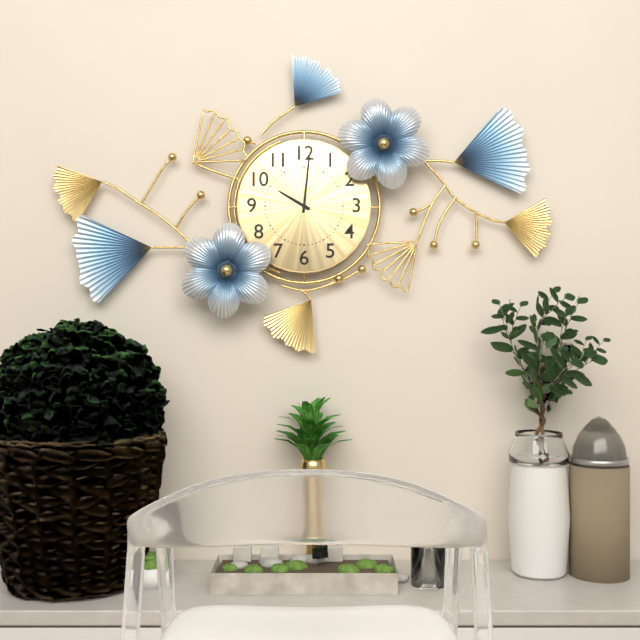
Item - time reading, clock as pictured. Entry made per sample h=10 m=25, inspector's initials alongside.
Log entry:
h=10 m=1
